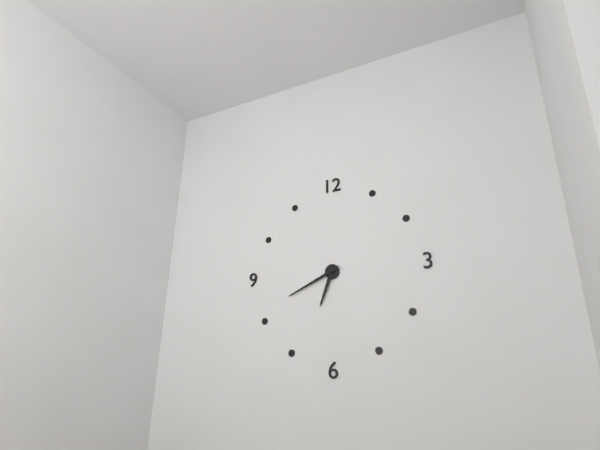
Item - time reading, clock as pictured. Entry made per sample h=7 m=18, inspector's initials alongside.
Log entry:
h=6 m=41
